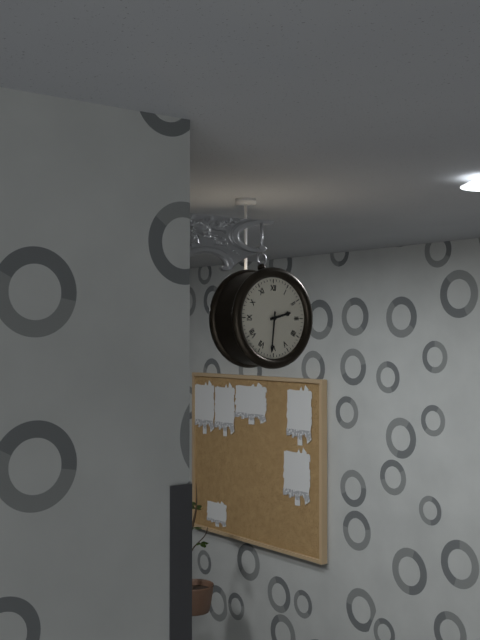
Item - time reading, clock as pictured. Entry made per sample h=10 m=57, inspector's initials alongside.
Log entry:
h=2 m=31
